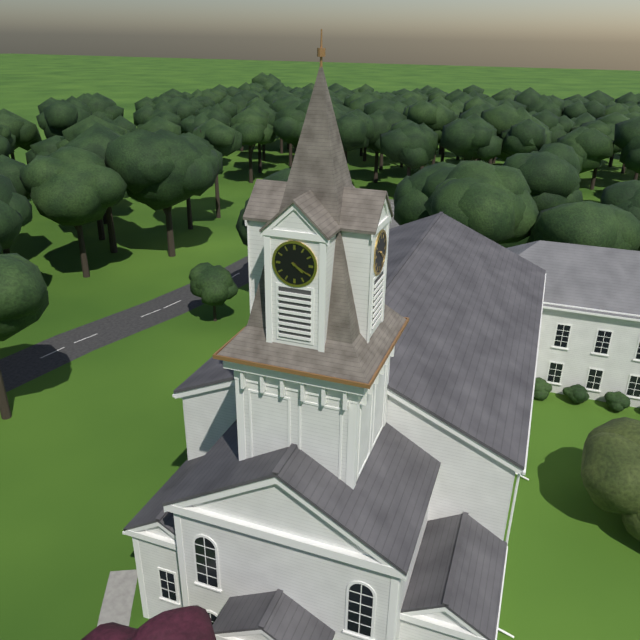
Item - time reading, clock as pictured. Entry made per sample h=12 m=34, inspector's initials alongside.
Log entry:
h=4 m=20
